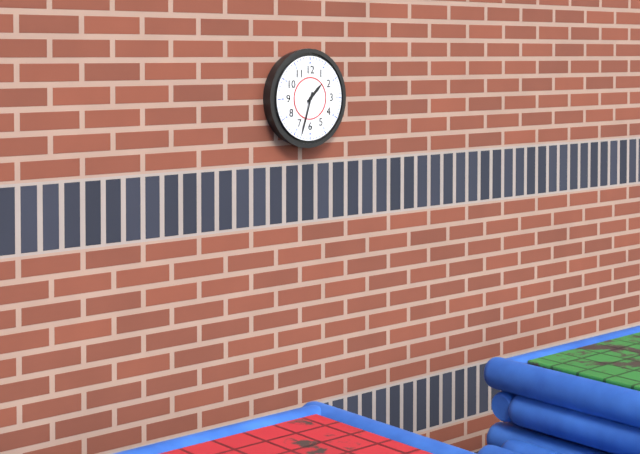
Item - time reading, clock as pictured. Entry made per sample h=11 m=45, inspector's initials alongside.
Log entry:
h=1 m=33
